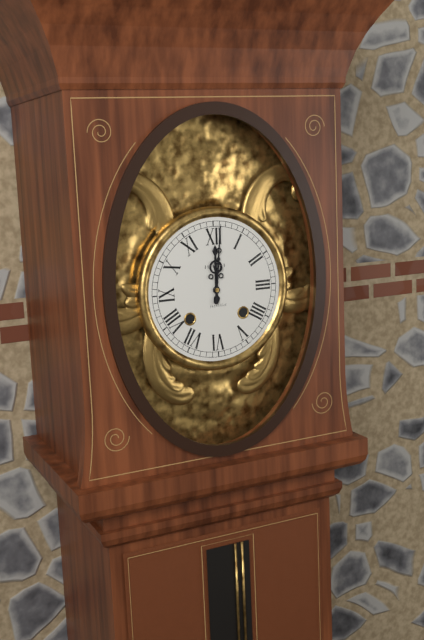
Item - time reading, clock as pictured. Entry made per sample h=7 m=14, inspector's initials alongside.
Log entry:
h=12 m=1
